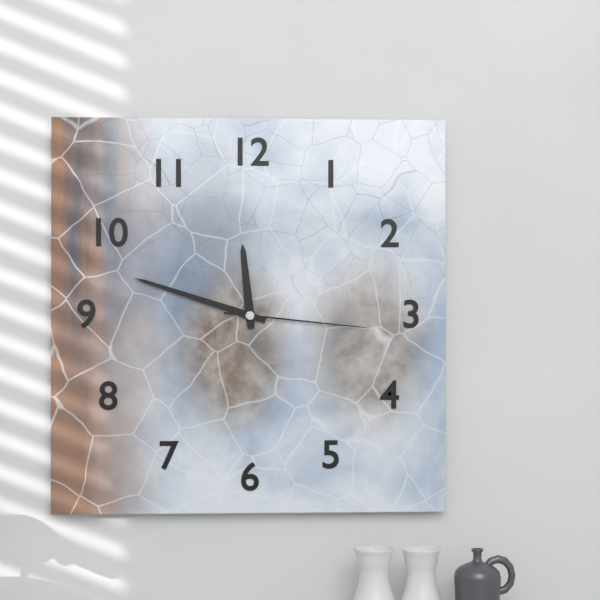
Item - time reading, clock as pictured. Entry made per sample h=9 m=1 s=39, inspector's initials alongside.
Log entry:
h=11 m=48 s=16
